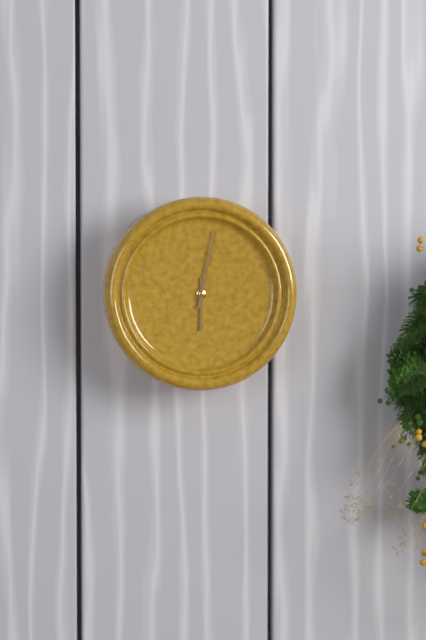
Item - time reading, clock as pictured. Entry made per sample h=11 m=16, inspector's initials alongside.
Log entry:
h=6 m=2
